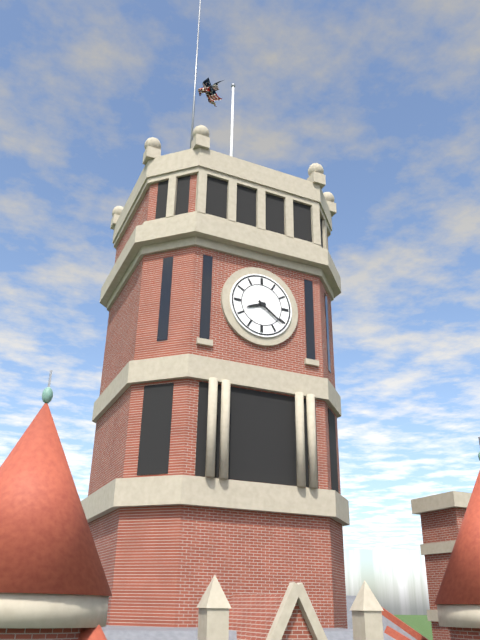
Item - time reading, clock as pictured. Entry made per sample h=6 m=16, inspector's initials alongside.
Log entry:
h=8 m=21
